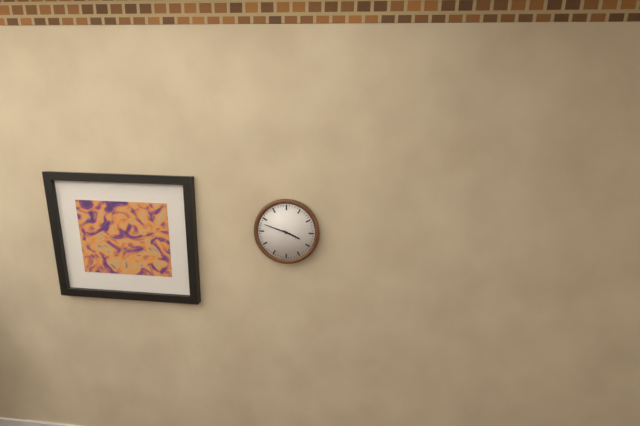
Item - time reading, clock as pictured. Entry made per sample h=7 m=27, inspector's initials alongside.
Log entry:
h=3 m=48
